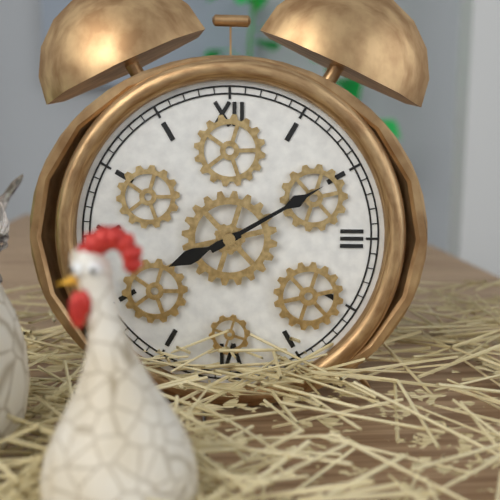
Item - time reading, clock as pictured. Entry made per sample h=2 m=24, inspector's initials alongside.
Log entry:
h=8 m=10
